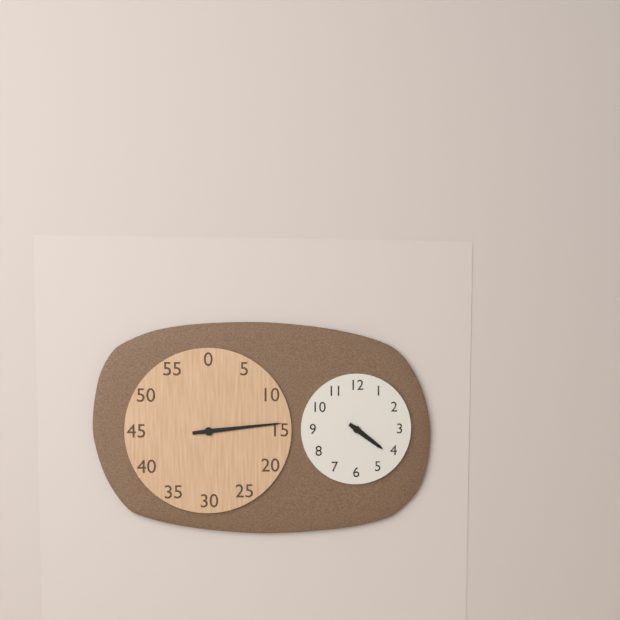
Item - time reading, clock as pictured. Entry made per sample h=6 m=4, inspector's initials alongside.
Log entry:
h=4 m=14
